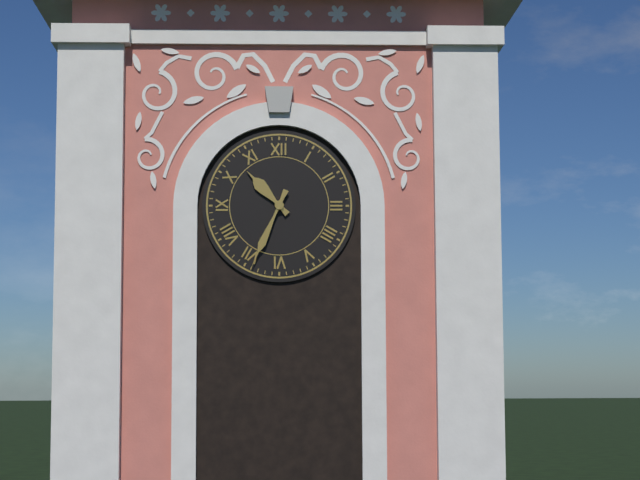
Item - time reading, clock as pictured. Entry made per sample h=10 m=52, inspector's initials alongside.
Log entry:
h=10 m=34
